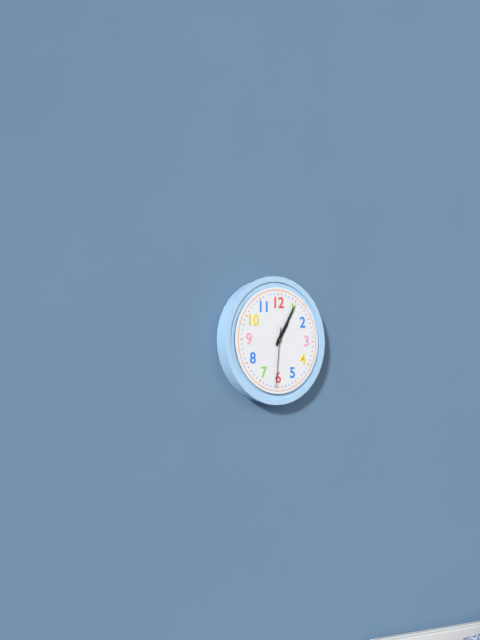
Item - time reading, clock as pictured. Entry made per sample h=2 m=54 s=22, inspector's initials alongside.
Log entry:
h=1 m=5 s=31
